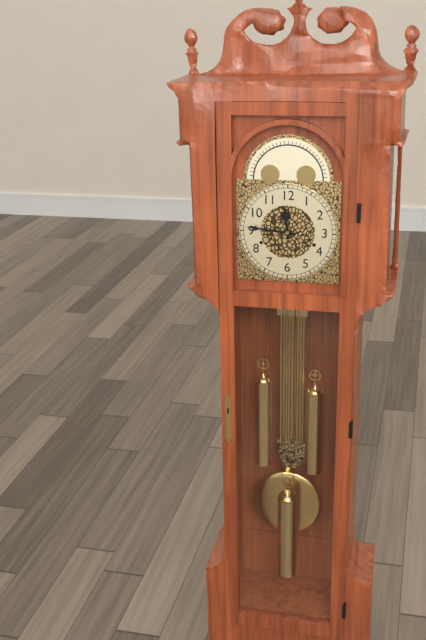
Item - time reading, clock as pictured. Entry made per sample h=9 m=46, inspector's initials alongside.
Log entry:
h=11 m=46
